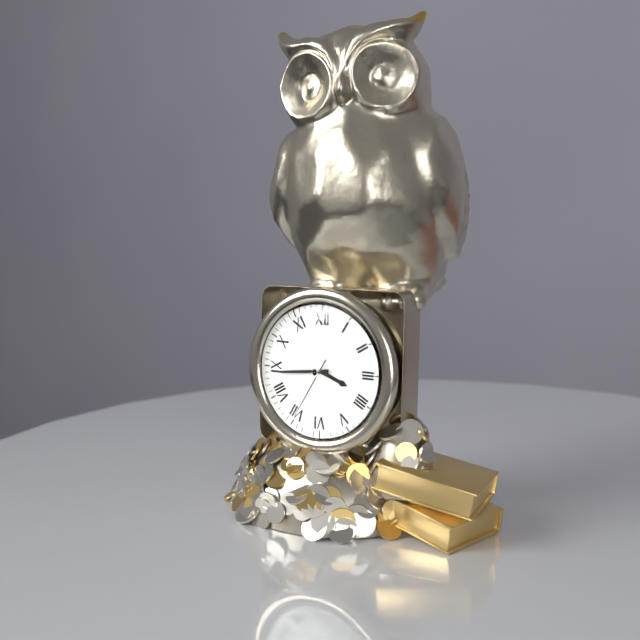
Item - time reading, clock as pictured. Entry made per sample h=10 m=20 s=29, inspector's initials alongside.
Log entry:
h=3 m=44 s=35
